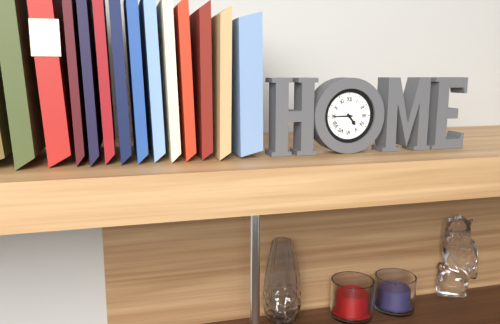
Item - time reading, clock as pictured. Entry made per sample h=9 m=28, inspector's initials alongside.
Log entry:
h=4 m=45
